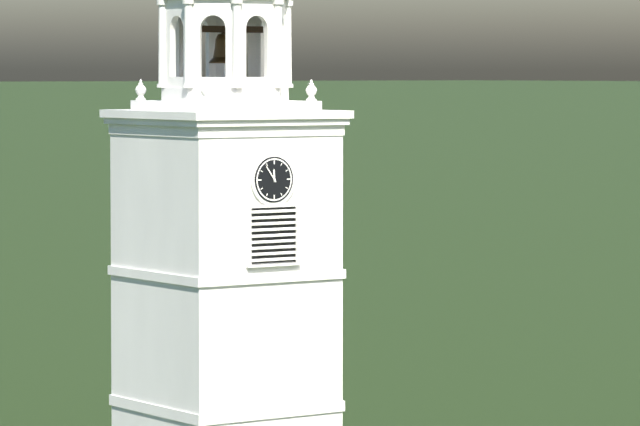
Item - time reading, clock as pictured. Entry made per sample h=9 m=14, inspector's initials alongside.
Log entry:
h=11 m=54
